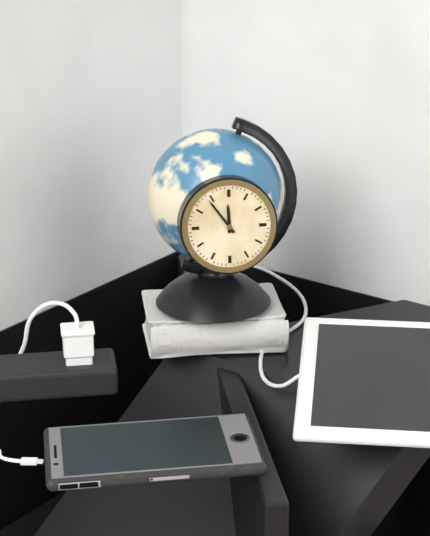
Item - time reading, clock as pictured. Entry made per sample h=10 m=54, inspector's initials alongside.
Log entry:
h=11 m=54
